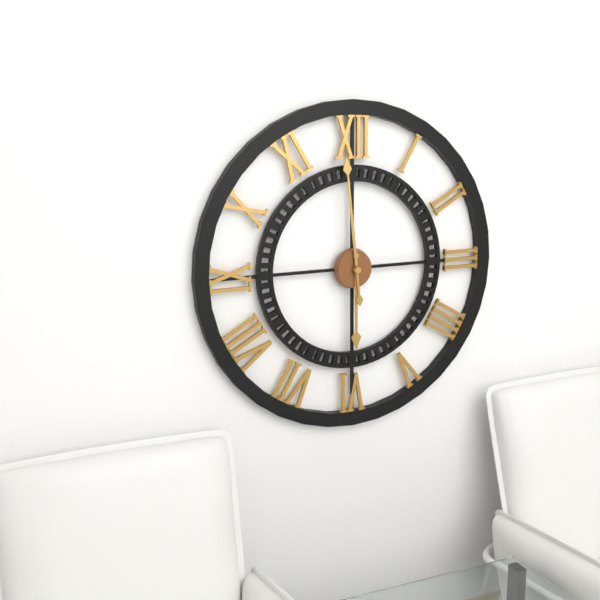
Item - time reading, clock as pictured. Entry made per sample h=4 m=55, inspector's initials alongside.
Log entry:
h=5 m=59
